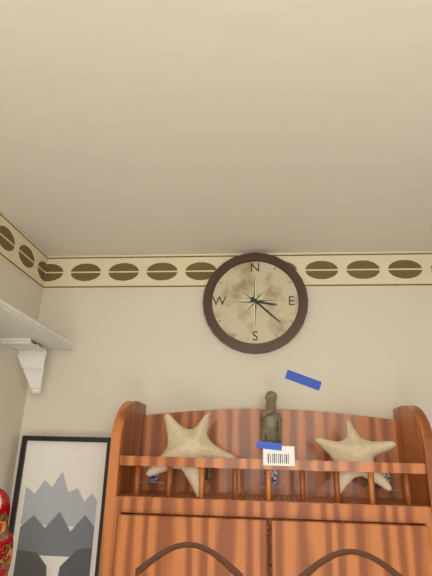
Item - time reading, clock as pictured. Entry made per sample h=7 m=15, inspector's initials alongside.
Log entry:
h=3 m=22
